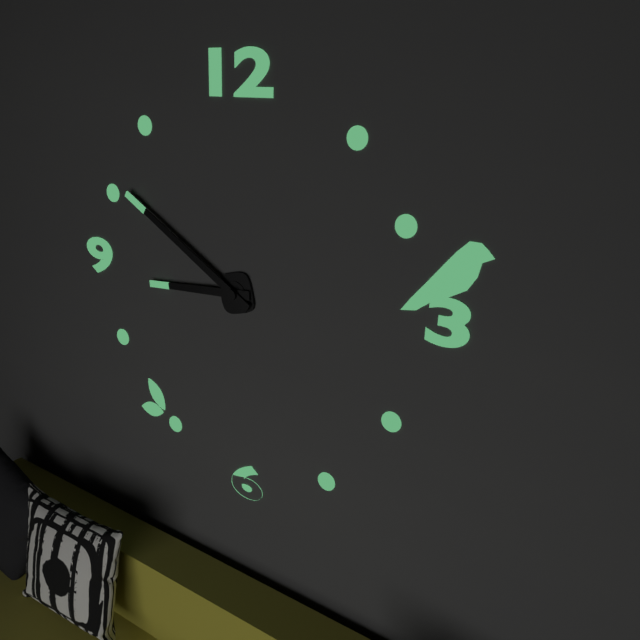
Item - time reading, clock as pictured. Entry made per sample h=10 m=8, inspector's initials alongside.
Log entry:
h=8 m=50
